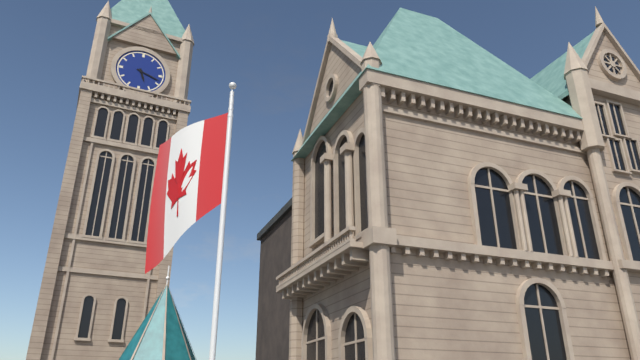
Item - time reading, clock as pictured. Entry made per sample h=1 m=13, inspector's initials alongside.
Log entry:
h=5 m=18
